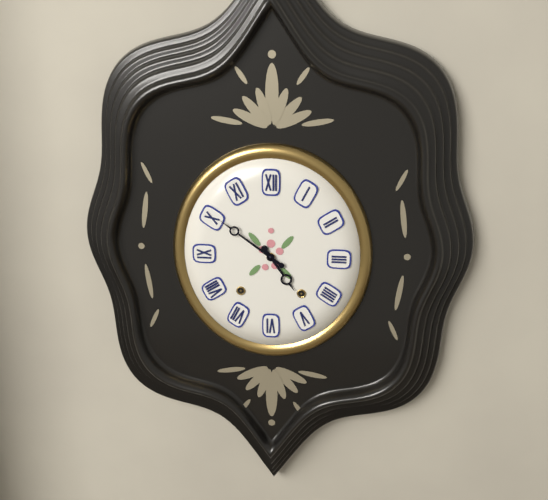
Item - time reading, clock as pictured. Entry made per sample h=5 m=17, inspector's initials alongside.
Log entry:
h=4 m=51
